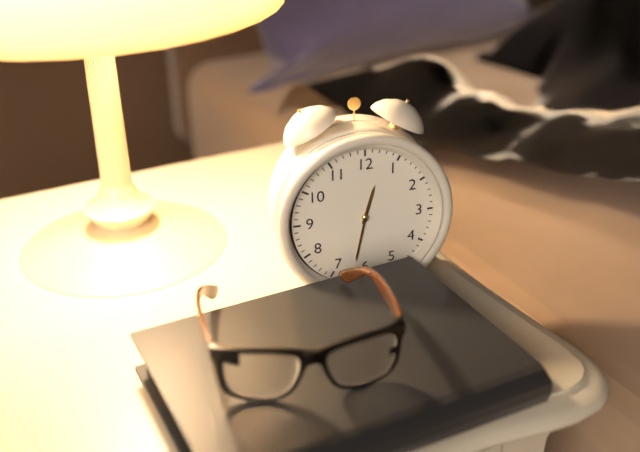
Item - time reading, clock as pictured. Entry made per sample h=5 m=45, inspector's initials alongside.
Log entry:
h=12 m=32
